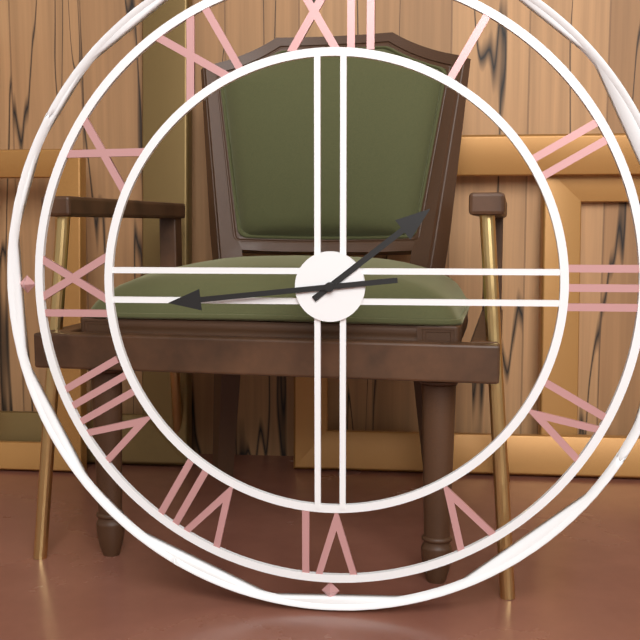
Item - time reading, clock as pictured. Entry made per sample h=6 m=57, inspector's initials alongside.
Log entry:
h=1 m=44
